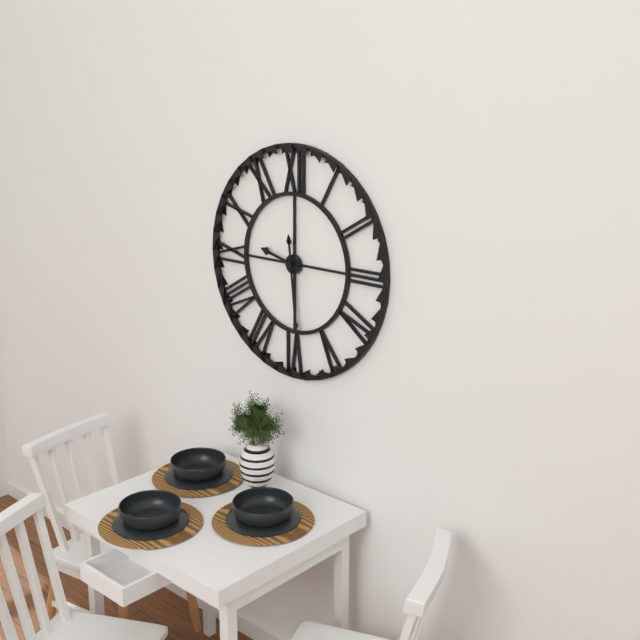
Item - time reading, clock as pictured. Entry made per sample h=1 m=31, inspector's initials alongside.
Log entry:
h=9 m=29
